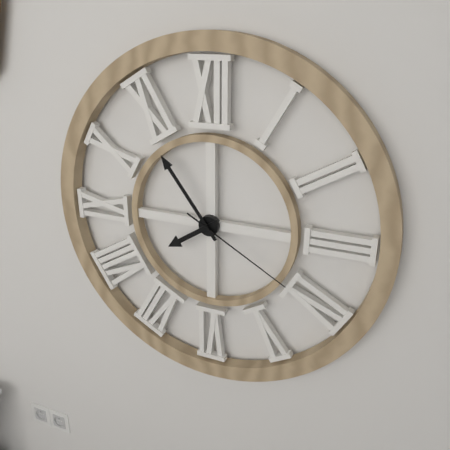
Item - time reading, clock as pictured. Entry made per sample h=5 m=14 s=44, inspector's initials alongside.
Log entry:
h=7 m=54 s=20
